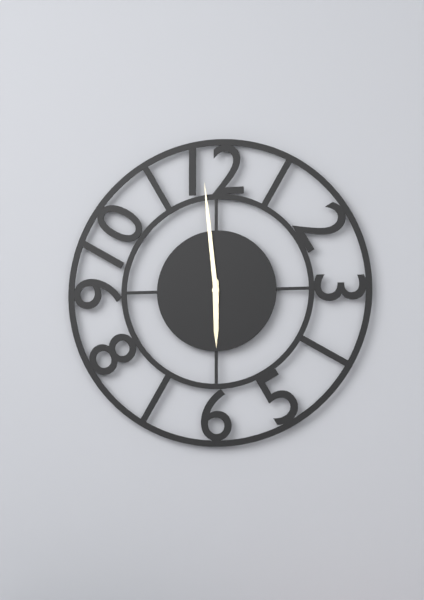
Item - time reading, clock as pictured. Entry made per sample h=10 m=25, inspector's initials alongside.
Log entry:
h=5 m=59
